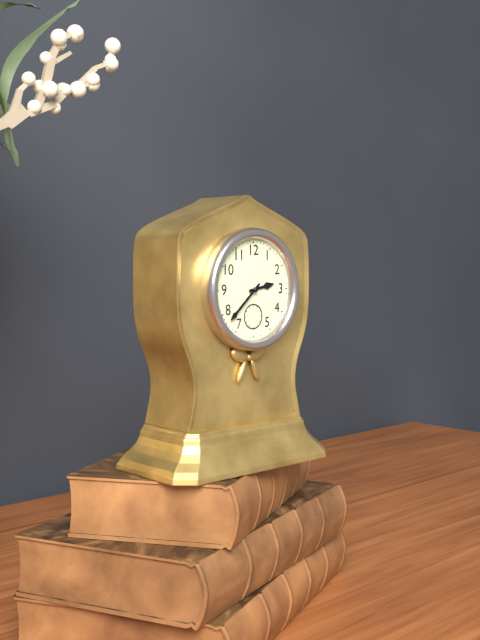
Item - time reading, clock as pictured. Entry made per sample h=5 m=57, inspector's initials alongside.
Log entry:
h=2 m=38
